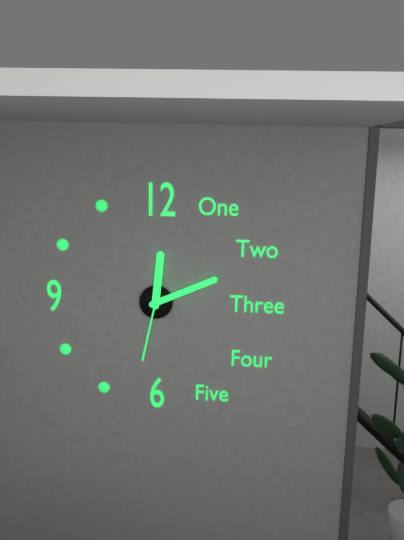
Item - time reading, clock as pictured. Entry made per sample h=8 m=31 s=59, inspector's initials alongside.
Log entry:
h=12 m=11 s=32
